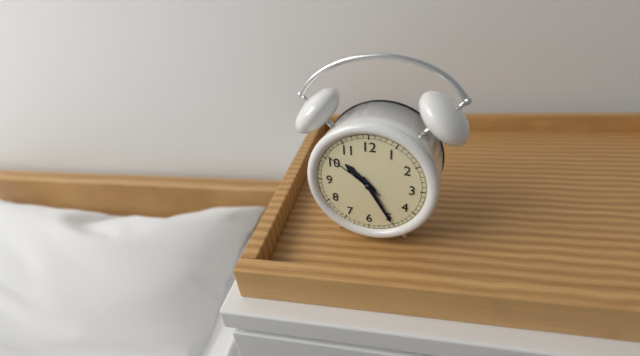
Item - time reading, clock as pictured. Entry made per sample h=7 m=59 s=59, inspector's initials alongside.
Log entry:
h=10 m=25 s=51
